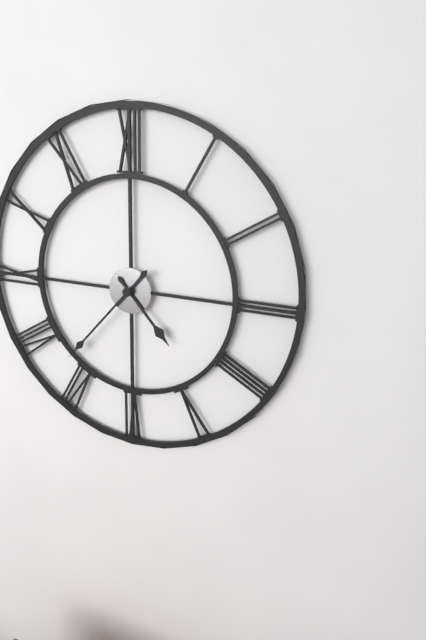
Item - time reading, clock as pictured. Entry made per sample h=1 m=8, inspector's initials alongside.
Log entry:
h=4 m=37
